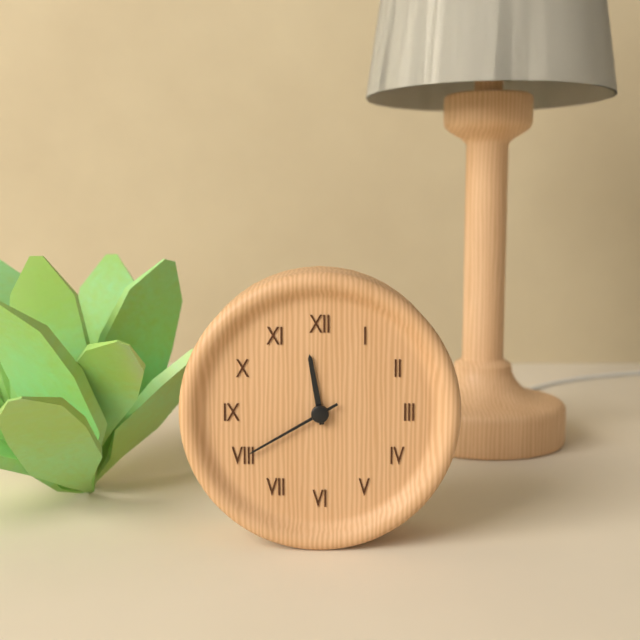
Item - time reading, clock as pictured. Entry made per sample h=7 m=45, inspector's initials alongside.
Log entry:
h=11 m=40
